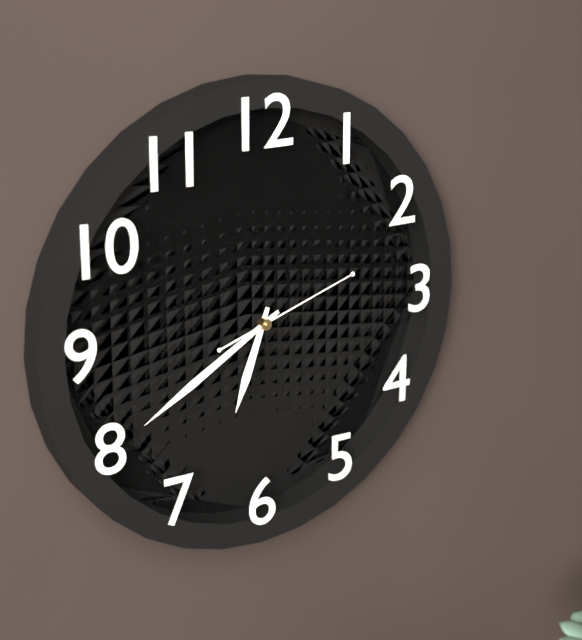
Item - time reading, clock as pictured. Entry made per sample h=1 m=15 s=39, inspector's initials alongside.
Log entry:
h=6 m=40 s=12
